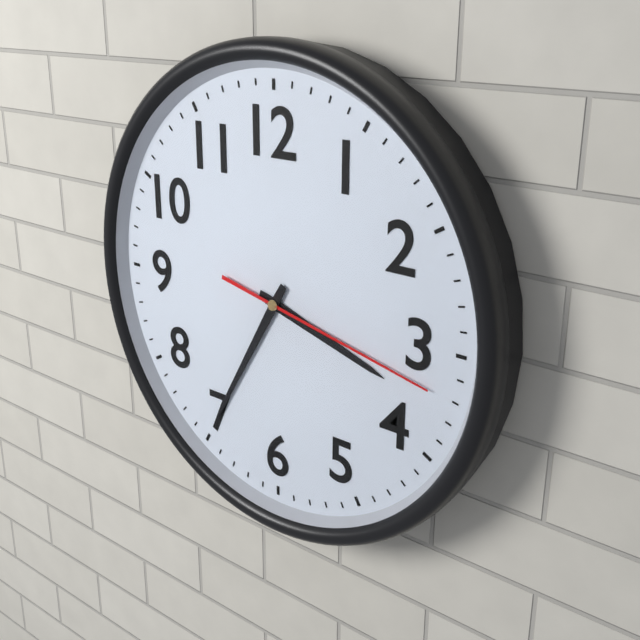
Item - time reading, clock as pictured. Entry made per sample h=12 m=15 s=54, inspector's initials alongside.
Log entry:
h=3 m=35 s=17
